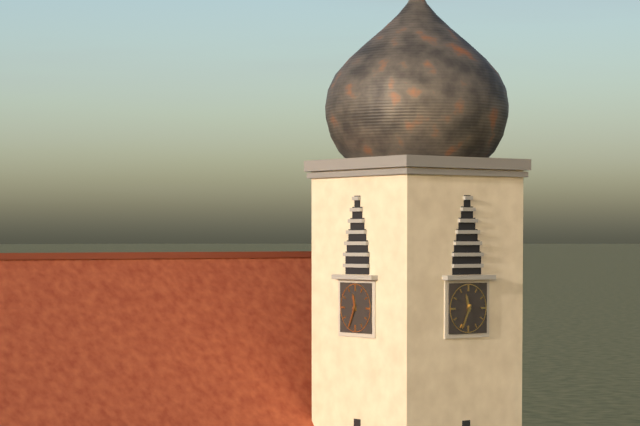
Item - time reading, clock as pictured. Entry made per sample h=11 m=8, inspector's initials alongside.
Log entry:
h=11 m=34
